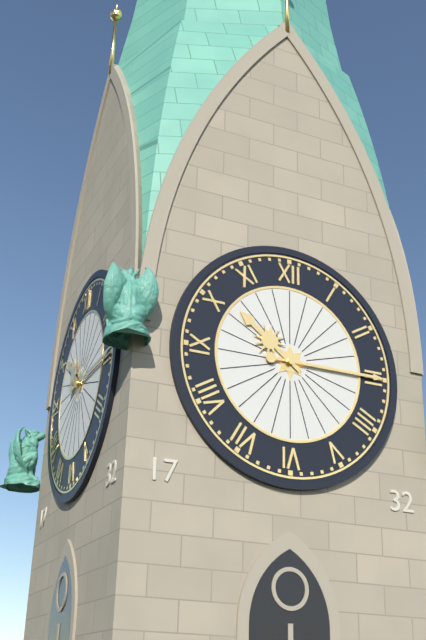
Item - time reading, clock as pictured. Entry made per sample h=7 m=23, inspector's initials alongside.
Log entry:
h=10 m=15
